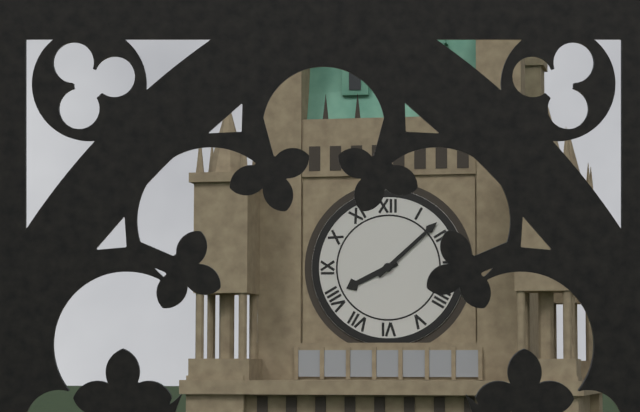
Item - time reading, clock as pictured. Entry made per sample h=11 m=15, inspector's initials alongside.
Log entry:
h=8 m=8
